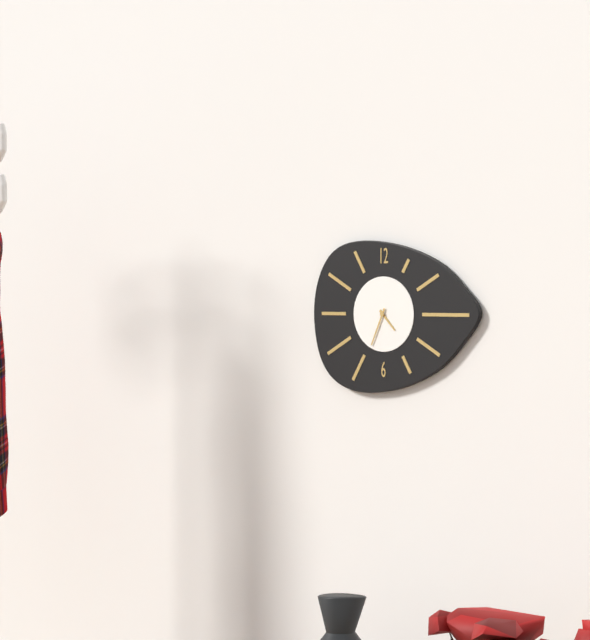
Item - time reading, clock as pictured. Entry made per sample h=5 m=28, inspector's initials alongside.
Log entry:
h=4 m=34
